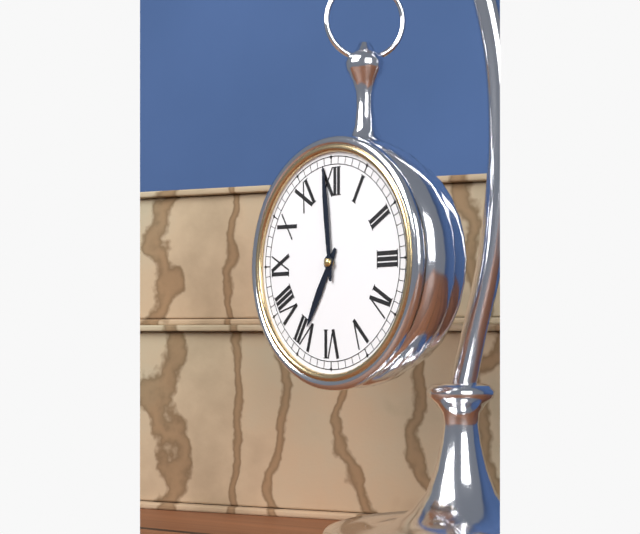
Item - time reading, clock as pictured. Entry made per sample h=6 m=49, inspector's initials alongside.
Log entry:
h=6 m=59
